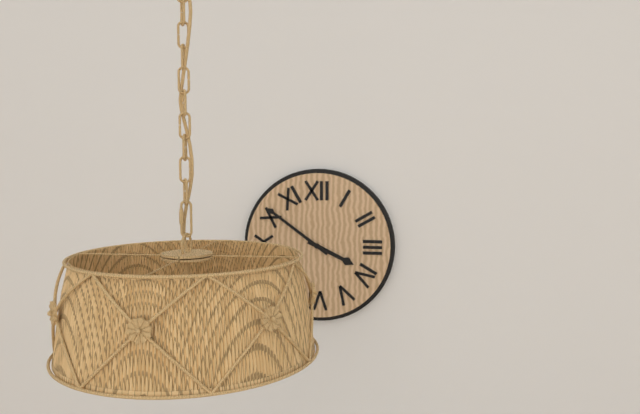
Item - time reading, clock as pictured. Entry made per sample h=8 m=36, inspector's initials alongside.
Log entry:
h=3 m=51
